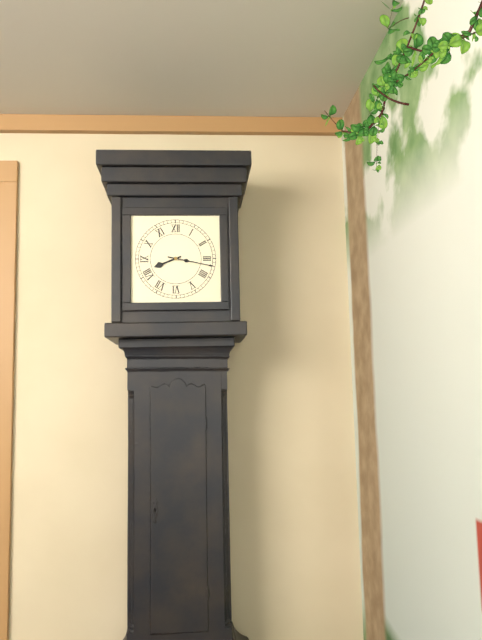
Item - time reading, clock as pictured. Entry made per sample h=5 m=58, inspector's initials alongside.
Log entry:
h=8 m=17
